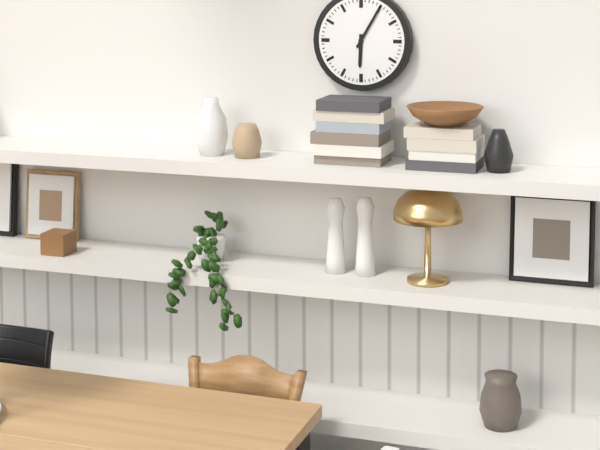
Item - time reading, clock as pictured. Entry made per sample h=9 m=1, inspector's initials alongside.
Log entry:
h=6 m=5
